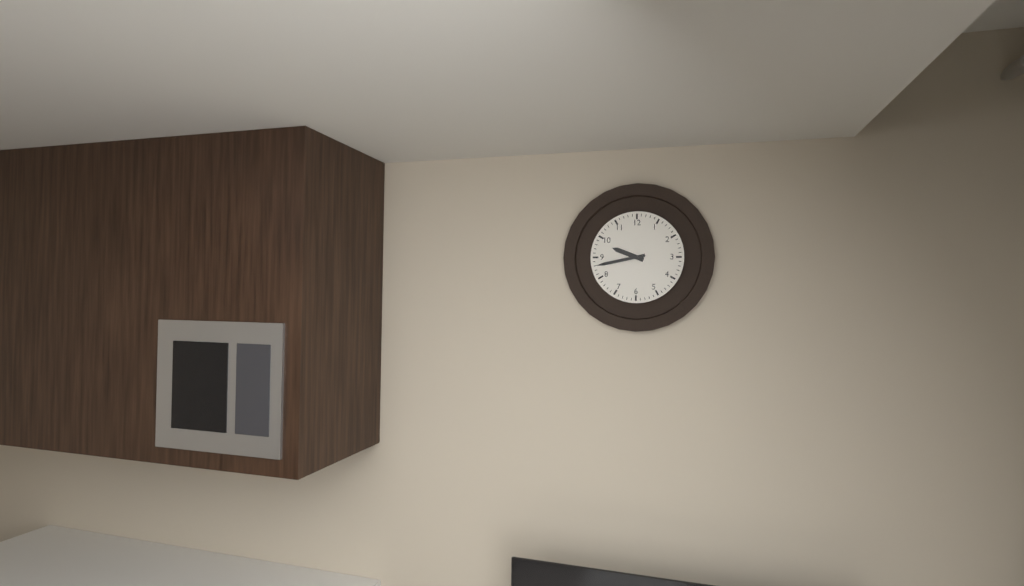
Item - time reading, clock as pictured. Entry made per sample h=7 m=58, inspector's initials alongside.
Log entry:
h=9 m=43
